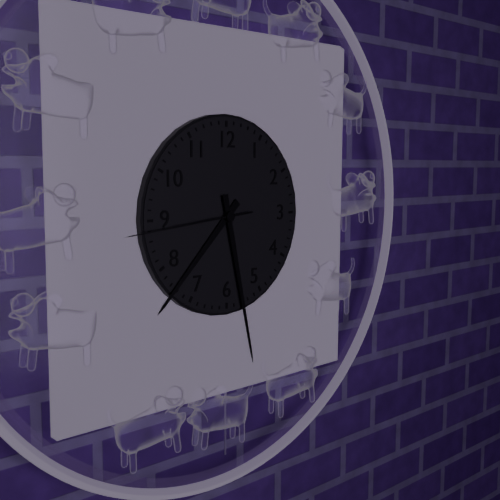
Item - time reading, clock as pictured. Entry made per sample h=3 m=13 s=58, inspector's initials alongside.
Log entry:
h=7 m=28 s=44
